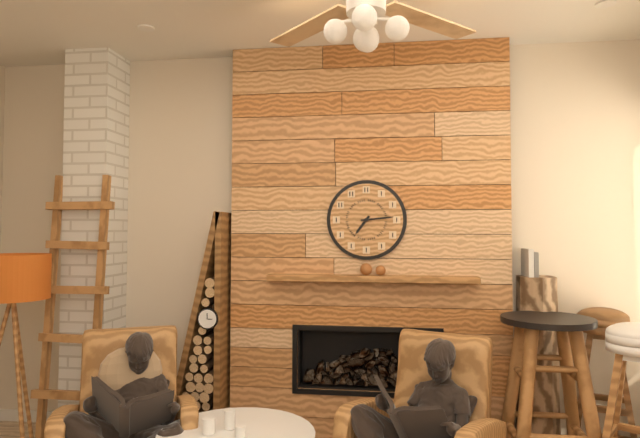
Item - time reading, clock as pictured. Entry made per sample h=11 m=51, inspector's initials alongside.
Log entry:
h=7 m=14
